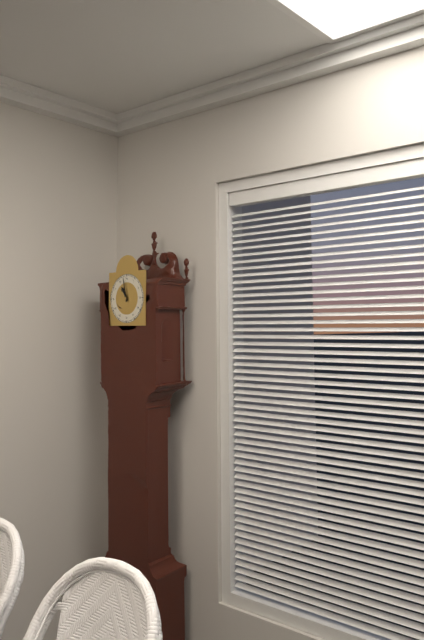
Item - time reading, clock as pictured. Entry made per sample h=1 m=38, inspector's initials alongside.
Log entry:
h=10 m=58
